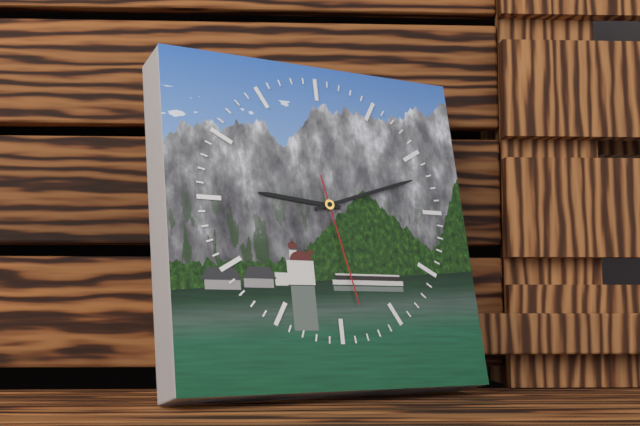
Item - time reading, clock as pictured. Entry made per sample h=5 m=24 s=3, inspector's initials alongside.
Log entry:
h=9 m=12 s=28
